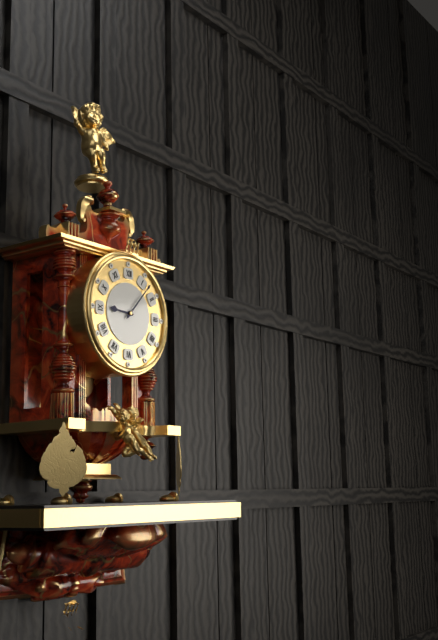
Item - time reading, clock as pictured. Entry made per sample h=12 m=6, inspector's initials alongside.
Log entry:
h=9 m=7
